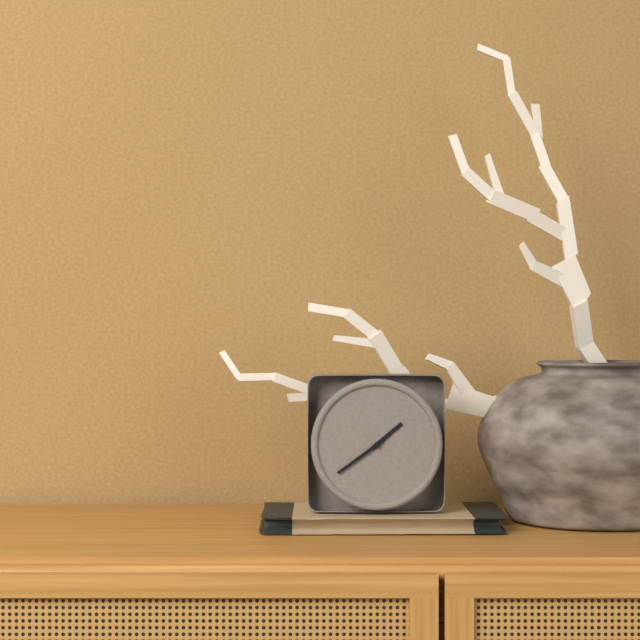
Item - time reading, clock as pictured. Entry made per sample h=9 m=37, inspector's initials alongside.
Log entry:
h=1 m=39
